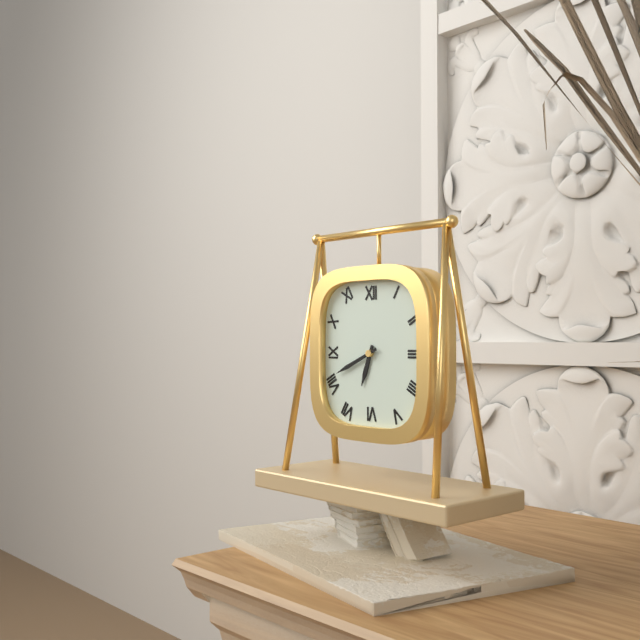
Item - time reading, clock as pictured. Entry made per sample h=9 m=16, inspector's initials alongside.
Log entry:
h=6 m=41
